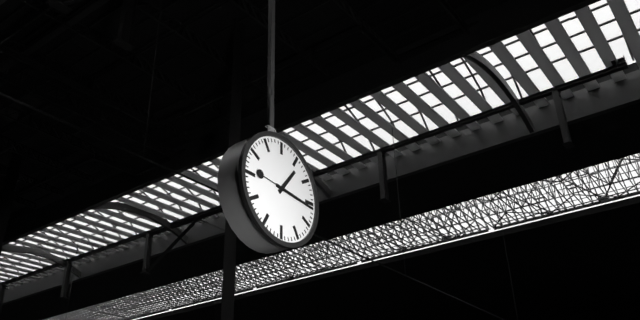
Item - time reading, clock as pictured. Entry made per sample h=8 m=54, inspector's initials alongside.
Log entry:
h=1 m=16
